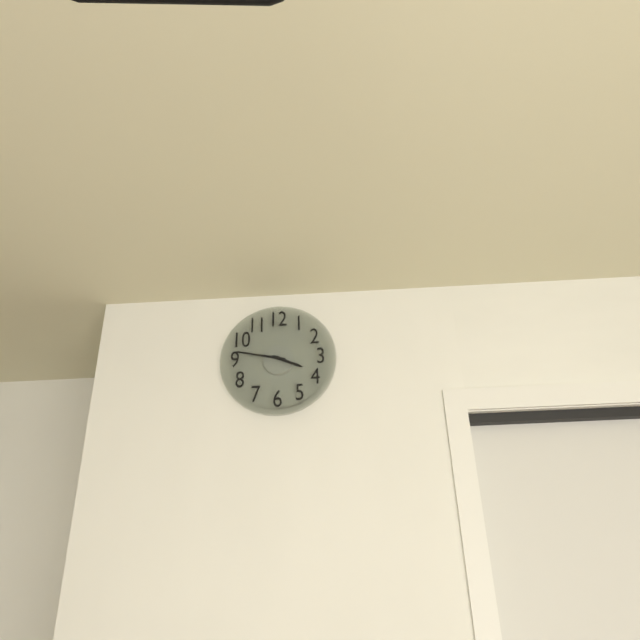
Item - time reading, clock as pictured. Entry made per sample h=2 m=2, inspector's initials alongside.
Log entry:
h=3 m=47
